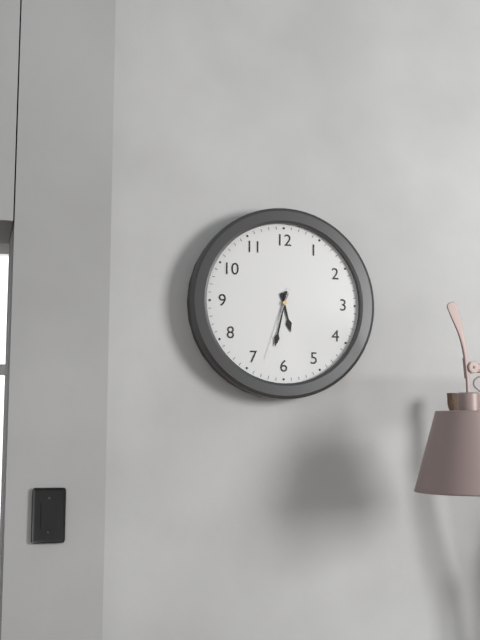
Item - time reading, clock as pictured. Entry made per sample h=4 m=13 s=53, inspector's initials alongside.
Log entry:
h=5 m=32 s=33
